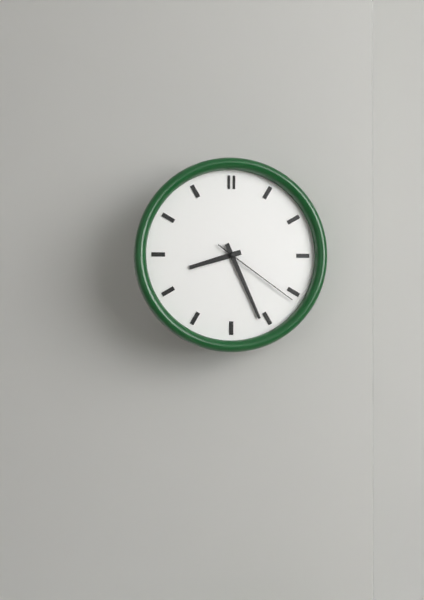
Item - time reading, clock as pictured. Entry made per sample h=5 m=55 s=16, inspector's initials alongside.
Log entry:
h=8 m=26 s=21
